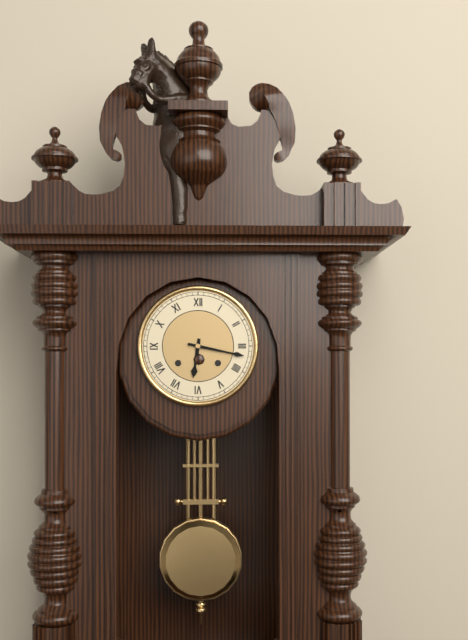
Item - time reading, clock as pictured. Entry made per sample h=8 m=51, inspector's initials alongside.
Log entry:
h=6 m=17
